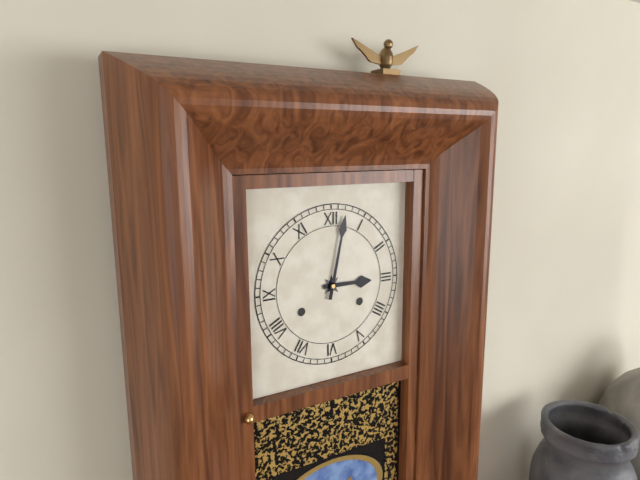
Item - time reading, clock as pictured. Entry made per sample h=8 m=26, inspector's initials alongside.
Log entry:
h=3 m=2
